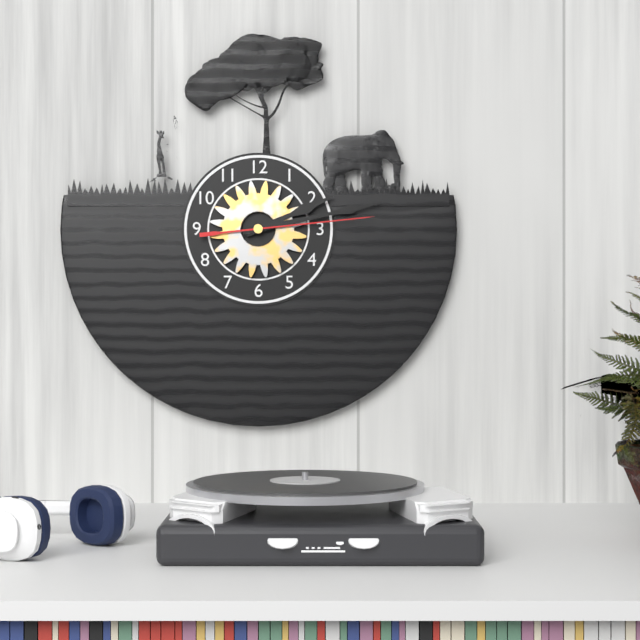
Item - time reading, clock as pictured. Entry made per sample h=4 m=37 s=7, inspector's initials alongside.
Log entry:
h=2 m=13 s=14
